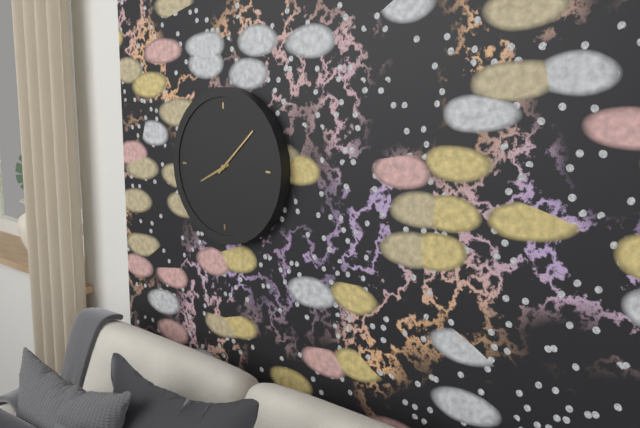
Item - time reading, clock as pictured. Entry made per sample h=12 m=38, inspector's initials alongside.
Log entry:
h=8 m=8
